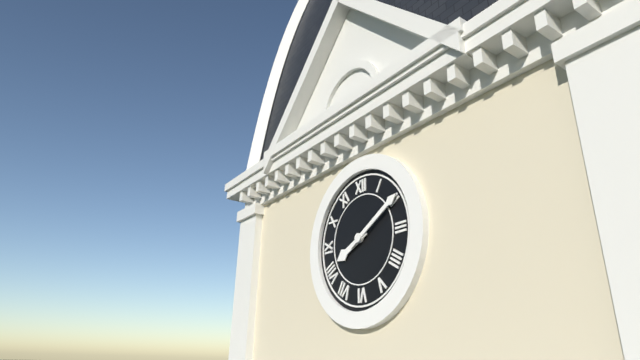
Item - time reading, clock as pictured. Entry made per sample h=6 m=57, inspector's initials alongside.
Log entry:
h=8 m=10
